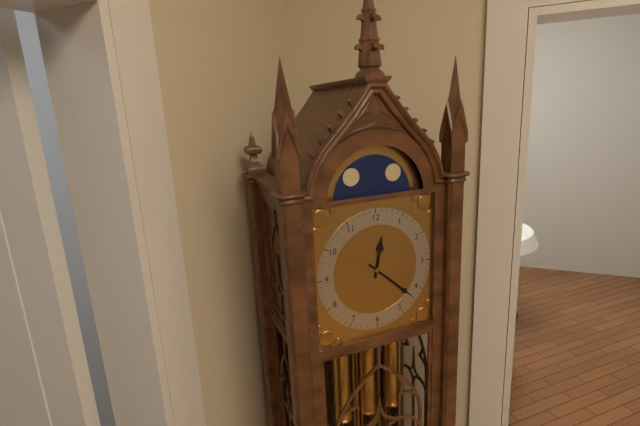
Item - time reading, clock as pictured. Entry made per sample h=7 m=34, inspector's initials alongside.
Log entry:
h=12 m=22
